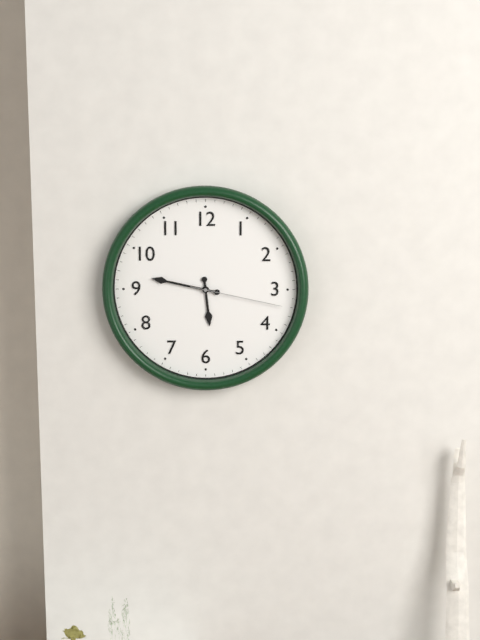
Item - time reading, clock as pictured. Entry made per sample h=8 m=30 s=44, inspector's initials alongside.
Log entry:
h=5 m=47 s=17
